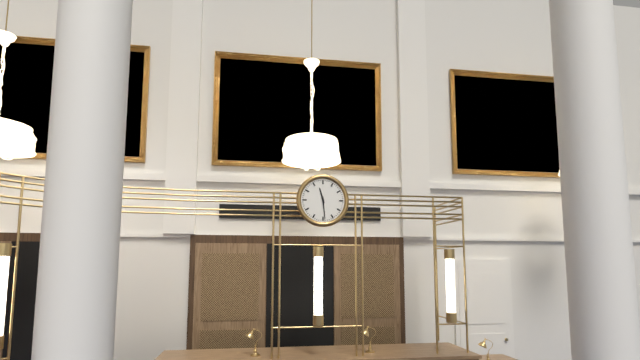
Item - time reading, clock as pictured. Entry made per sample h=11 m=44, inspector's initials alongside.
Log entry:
h=11 m=29
